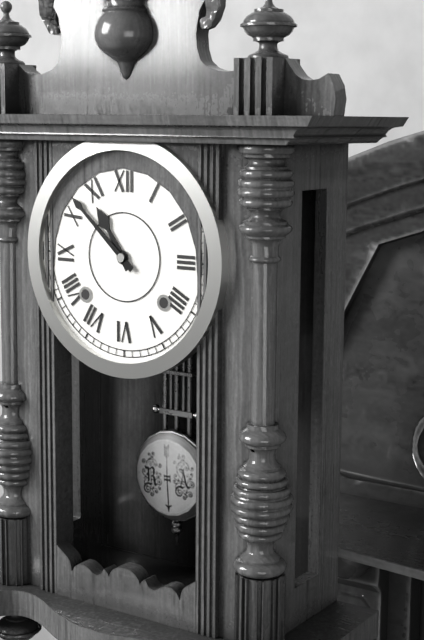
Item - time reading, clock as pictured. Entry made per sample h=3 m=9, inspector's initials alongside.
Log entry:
h=10 m=52
